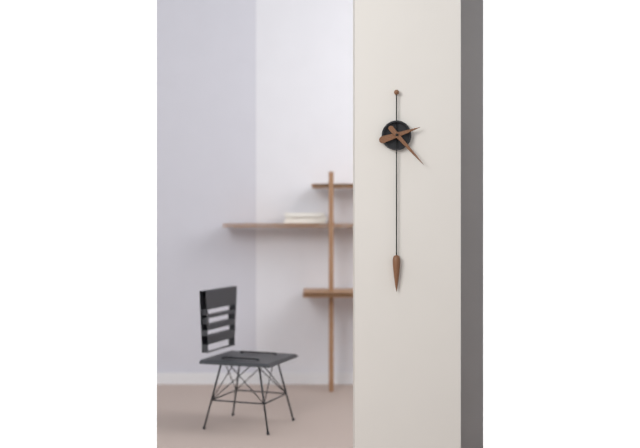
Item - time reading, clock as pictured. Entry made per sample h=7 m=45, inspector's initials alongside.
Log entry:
h=2 m=23
